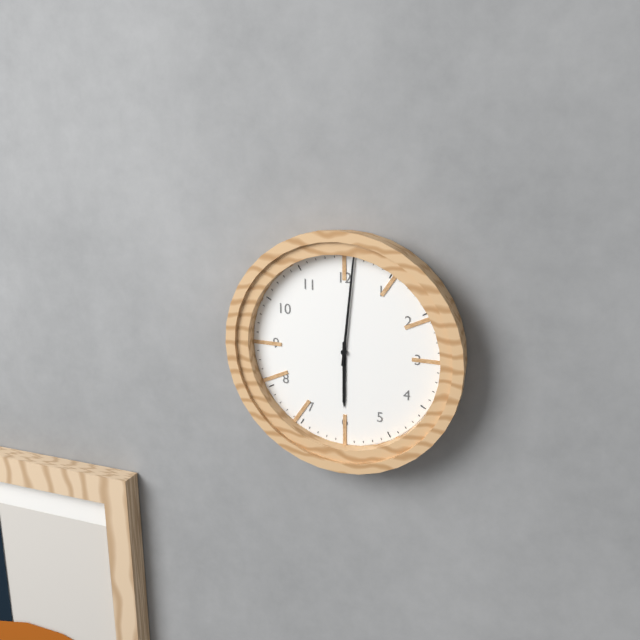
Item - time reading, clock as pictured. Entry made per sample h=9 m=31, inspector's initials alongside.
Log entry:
h=6 m=1
